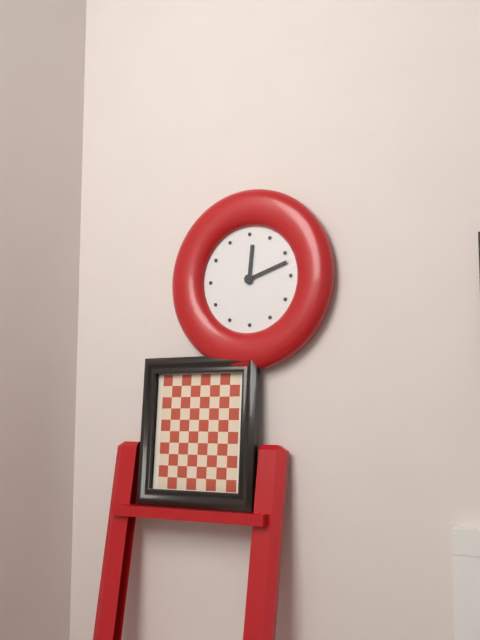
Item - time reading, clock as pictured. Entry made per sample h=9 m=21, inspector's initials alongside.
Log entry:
h=12 m=12
